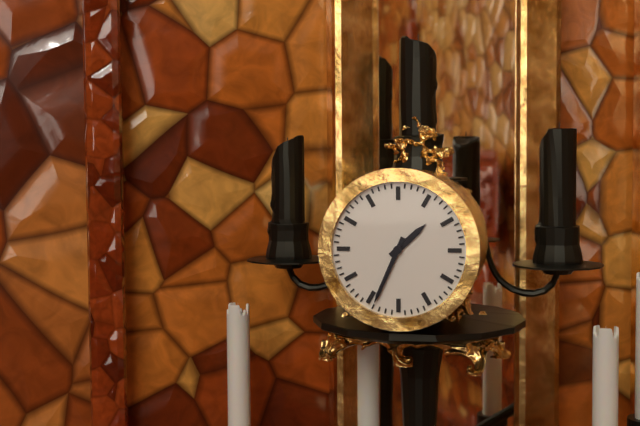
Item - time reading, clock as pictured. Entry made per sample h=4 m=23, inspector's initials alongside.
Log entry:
h=1 m=34
